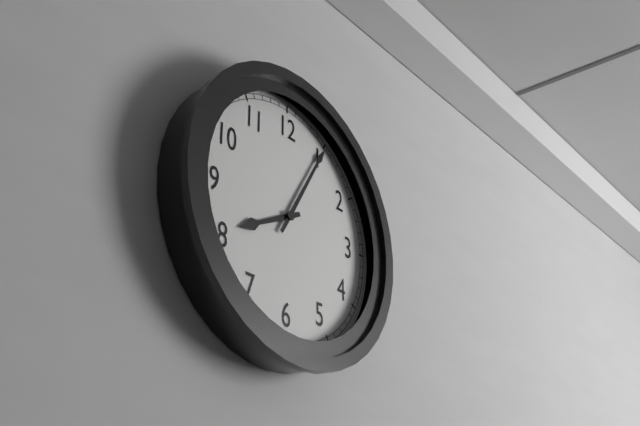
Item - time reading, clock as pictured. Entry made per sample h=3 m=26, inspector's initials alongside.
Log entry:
h=8 m=5
